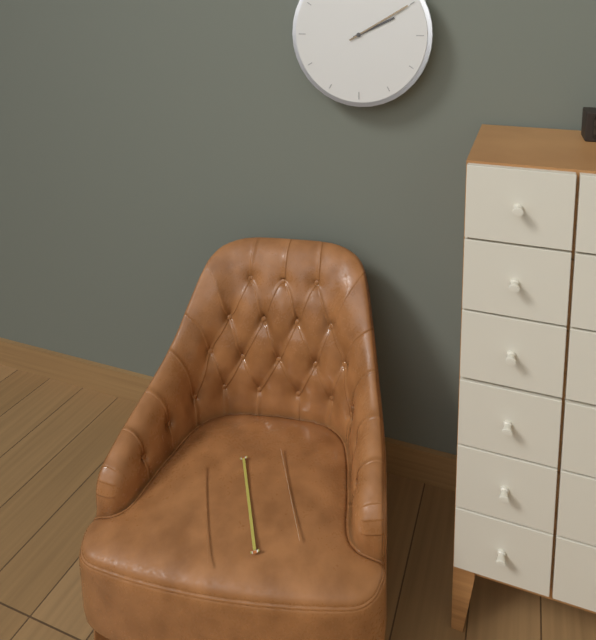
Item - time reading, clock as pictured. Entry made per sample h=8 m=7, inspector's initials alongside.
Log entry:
h=2 m=10
